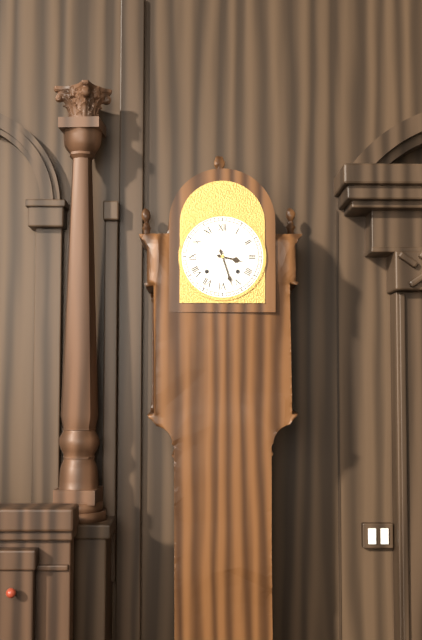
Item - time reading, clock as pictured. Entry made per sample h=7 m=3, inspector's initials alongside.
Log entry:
h=3 m=27
